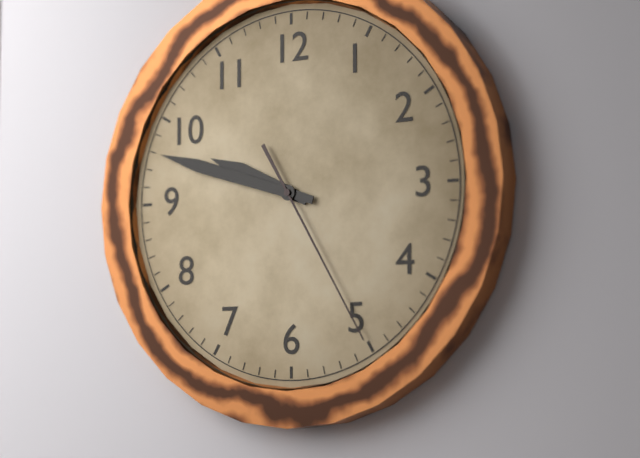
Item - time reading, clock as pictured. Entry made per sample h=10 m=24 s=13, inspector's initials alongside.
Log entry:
h=9 m=48 s=25
